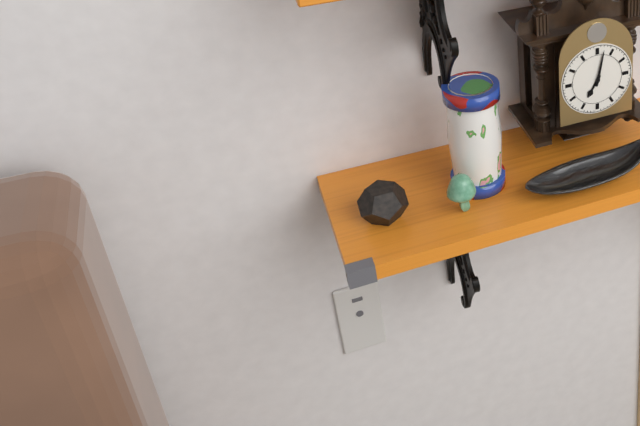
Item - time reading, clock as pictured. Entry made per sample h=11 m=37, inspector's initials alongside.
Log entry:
h=7 m=2
